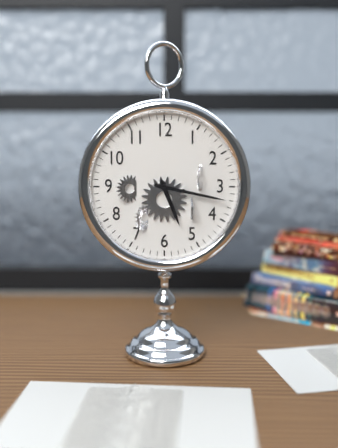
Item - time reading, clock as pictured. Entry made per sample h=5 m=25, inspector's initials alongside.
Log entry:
h=5 m=17
